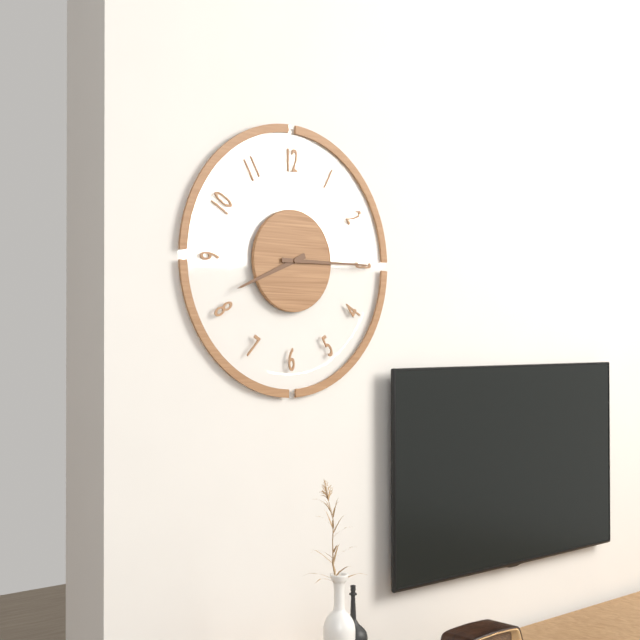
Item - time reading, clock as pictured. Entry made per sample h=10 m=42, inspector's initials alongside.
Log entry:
h=8 m=15
